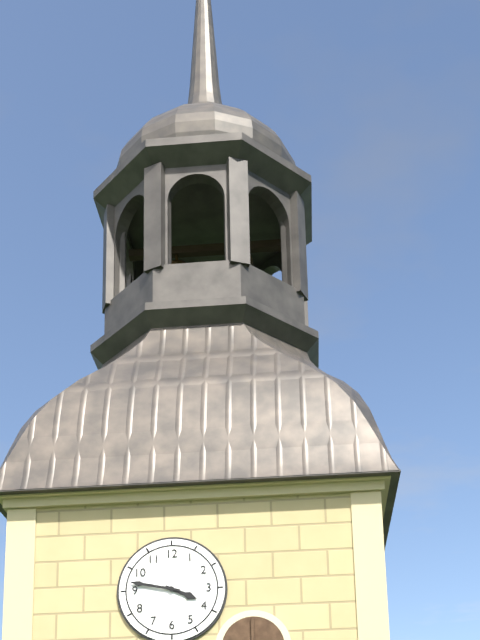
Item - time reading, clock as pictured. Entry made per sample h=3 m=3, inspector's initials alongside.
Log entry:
h=3 m=47
